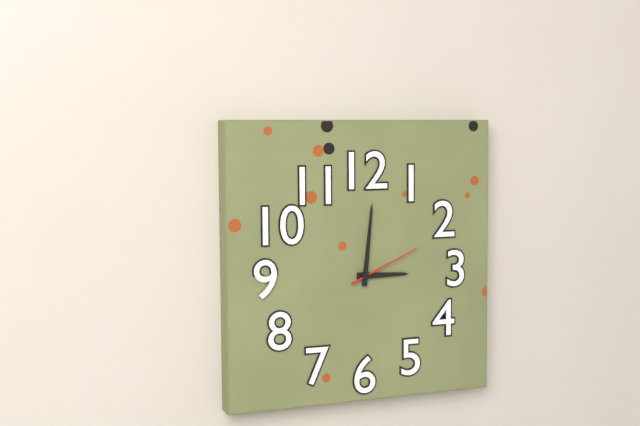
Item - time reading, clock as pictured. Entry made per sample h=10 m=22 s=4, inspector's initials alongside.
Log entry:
h=3 m=1 s=11
